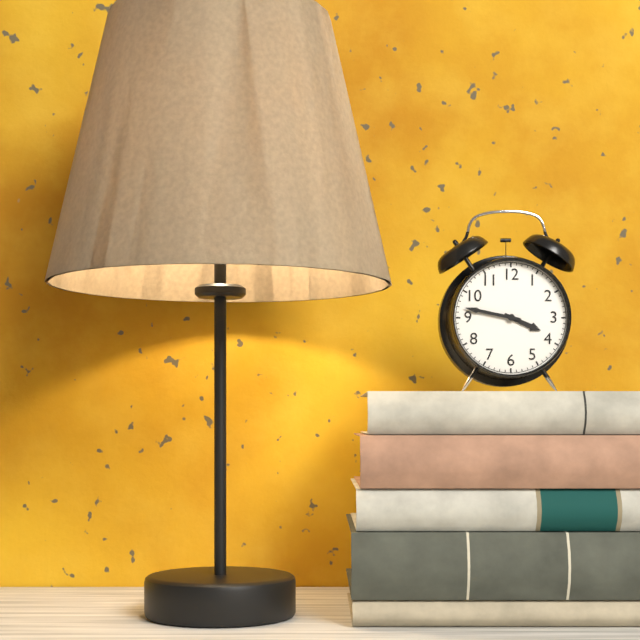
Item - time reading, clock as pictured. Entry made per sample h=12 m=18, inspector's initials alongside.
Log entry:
h=3 m=47
